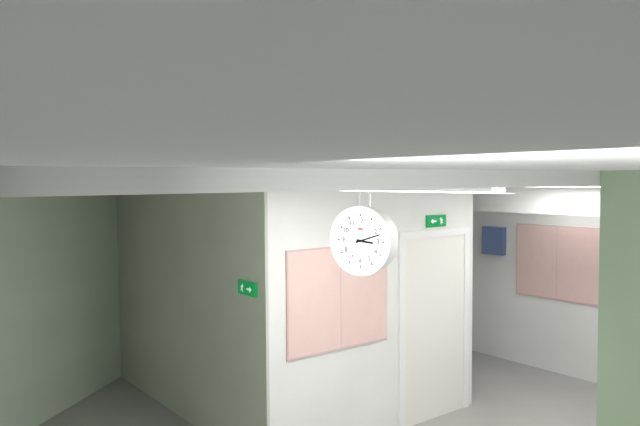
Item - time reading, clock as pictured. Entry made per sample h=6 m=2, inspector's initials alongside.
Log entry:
h=3 m=12
